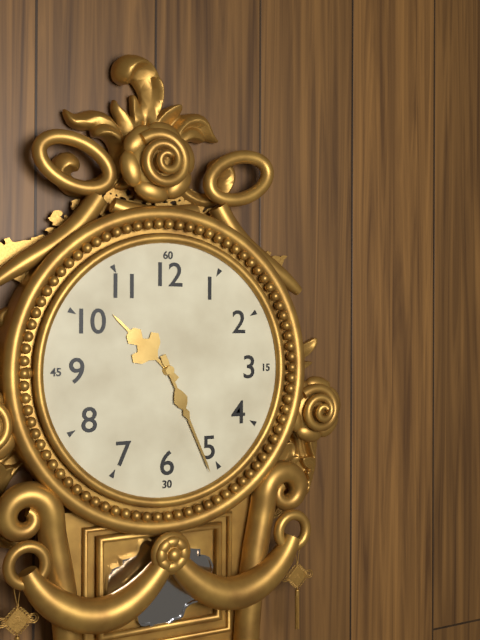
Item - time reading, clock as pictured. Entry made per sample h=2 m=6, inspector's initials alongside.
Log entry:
h=10 m=26
